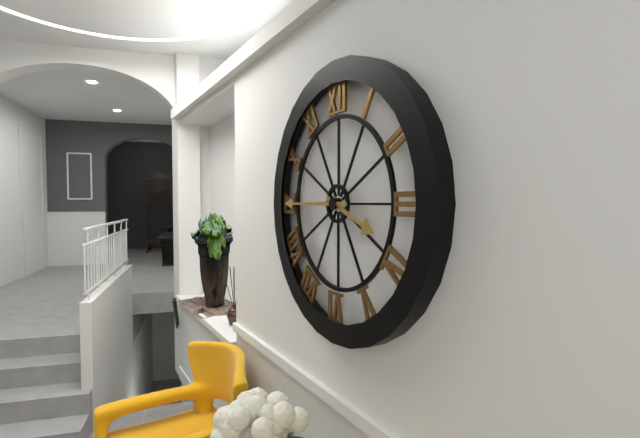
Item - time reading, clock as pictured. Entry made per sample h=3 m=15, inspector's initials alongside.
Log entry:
h=3 m=45
